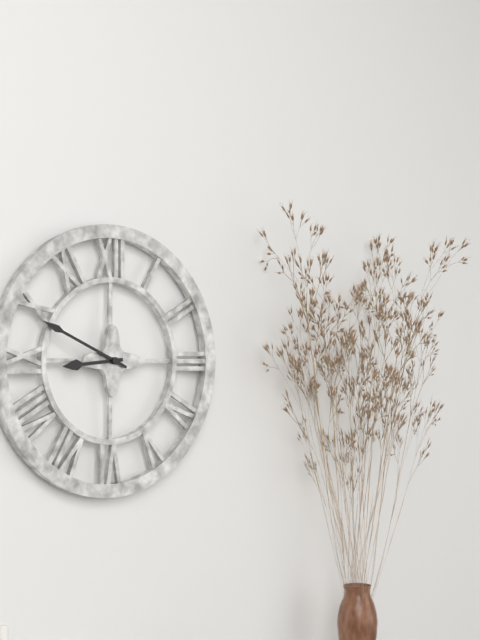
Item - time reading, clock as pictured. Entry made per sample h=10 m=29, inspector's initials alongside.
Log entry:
h=8 m=49
